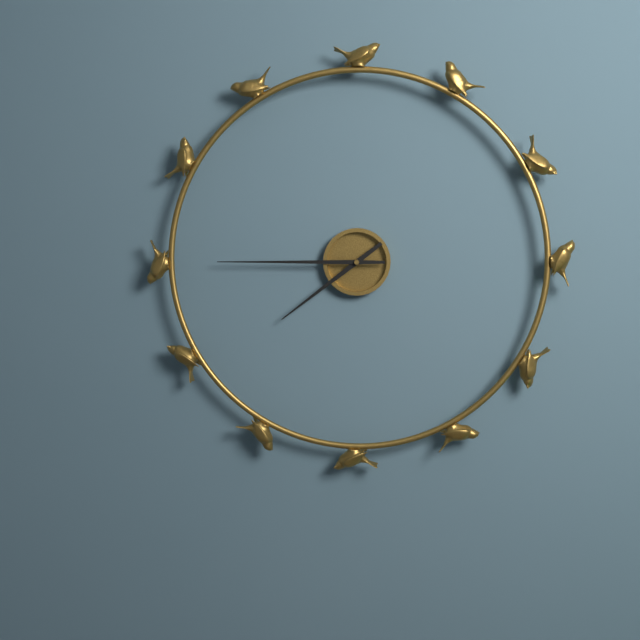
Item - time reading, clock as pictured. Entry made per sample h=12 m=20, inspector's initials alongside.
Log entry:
h=7 m=45
